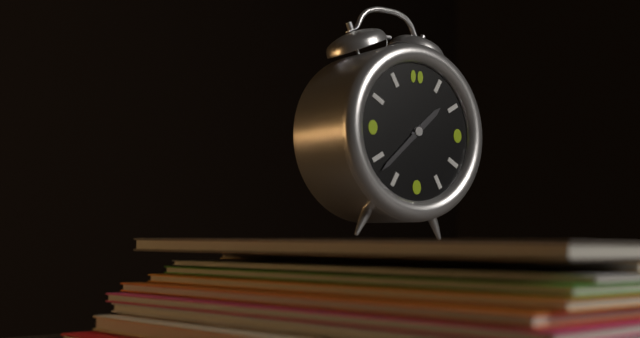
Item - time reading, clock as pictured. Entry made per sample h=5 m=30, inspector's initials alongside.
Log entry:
h=1 m=38
